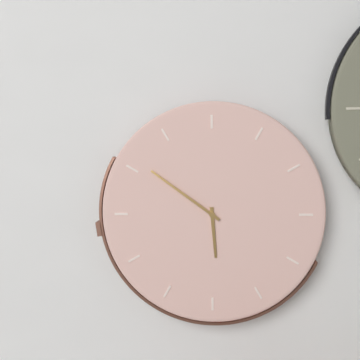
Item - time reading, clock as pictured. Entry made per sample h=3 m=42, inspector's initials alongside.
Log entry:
h=5 m=51
